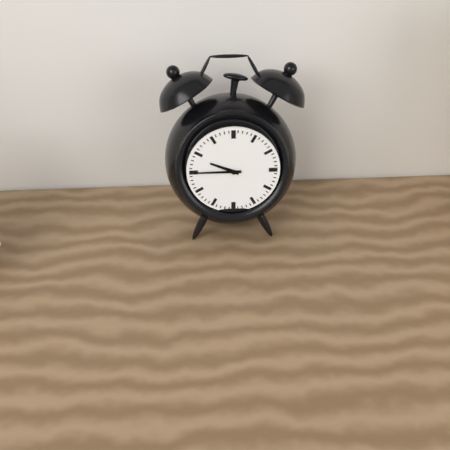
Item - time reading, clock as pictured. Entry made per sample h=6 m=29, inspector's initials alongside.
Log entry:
h=9 m=45
